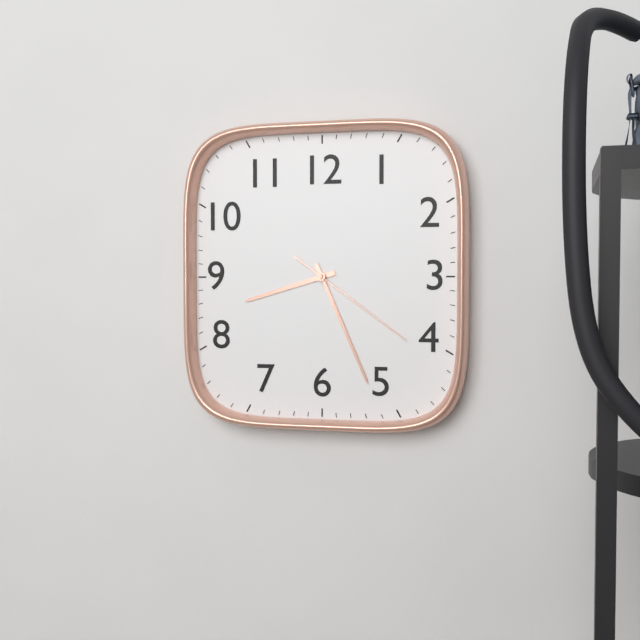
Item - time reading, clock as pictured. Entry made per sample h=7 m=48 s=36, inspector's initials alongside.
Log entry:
h=8 m=26 s=21
